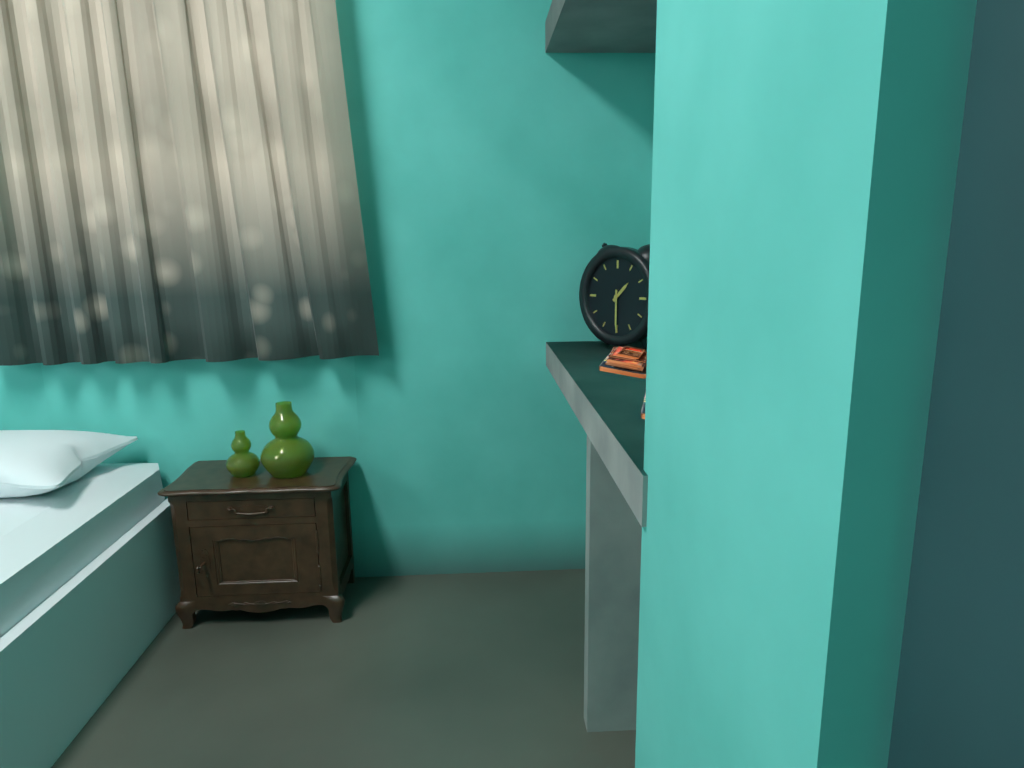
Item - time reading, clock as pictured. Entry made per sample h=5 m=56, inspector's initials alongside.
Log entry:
h=1 m=30
